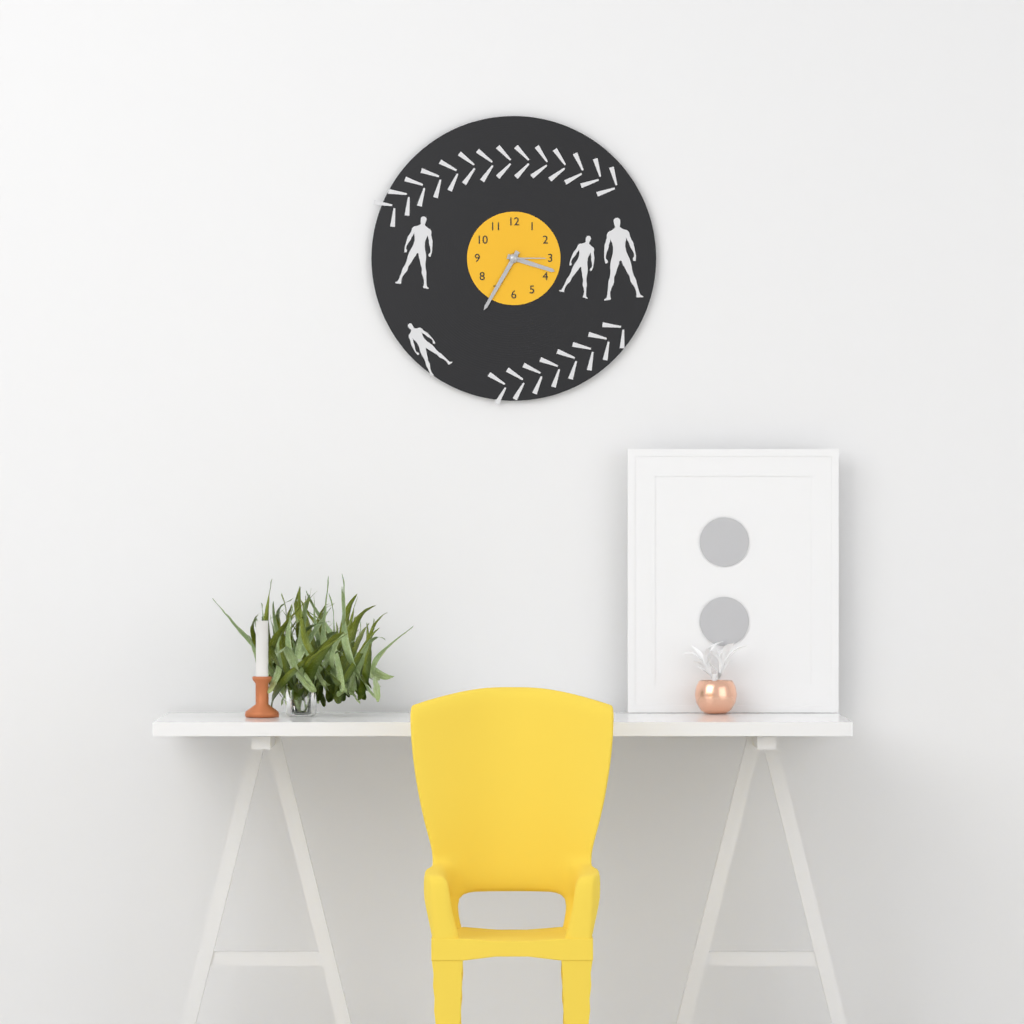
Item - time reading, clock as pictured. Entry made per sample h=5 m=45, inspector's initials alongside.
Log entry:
h=3 m=35
